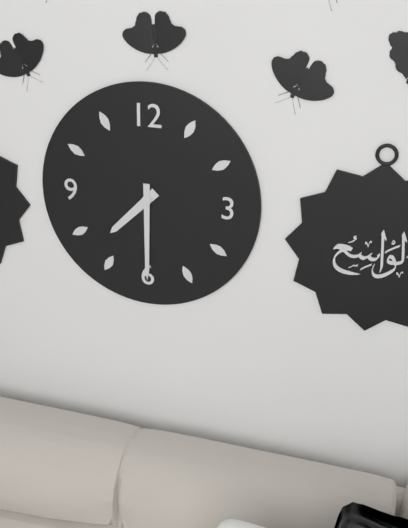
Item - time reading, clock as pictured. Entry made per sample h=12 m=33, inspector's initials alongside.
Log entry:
h=7 m=30
